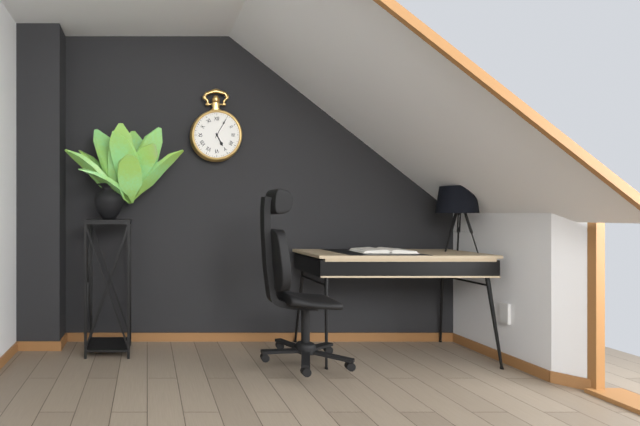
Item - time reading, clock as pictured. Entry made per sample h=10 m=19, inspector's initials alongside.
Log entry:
h=5 m=5
